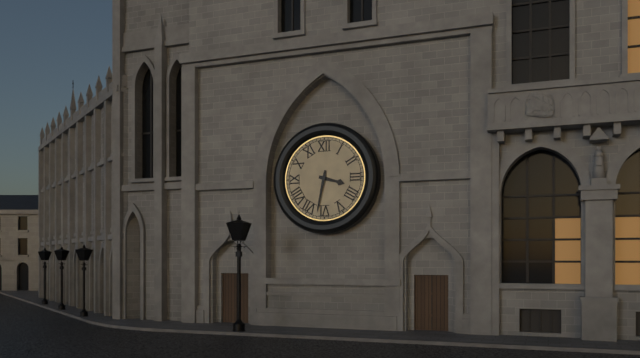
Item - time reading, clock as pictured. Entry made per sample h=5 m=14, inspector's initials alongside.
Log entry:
h=3 m=32
